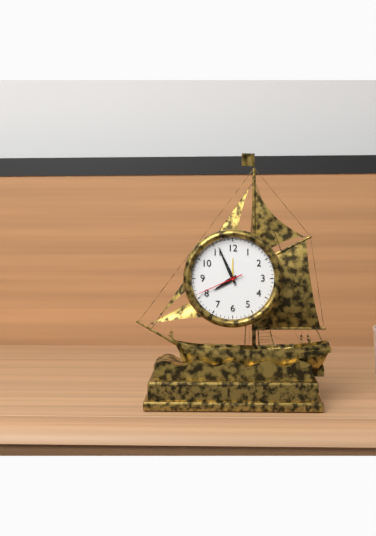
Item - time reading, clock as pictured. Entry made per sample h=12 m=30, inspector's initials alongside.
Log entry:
h=7 m=56
